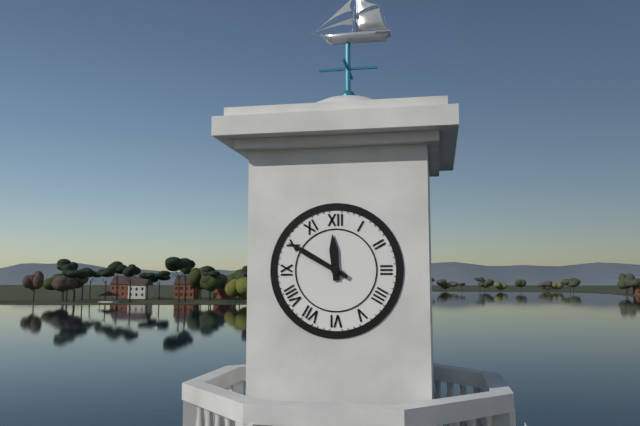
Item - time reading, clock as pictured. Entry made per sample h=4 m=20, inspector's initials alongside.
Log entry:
h=11 m=50
